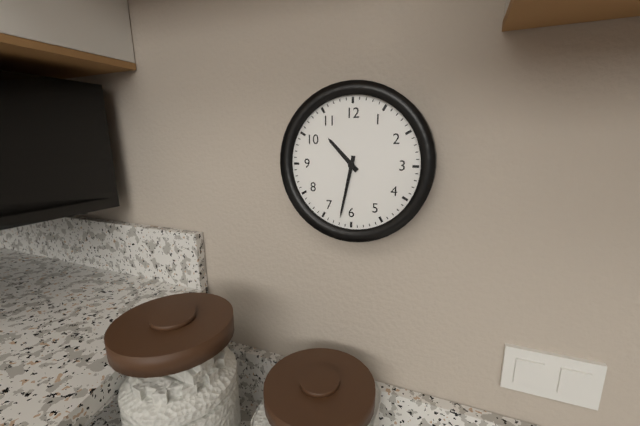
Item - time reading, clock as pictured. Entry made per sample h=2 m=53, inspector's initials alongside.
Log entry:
h=10 m=32
